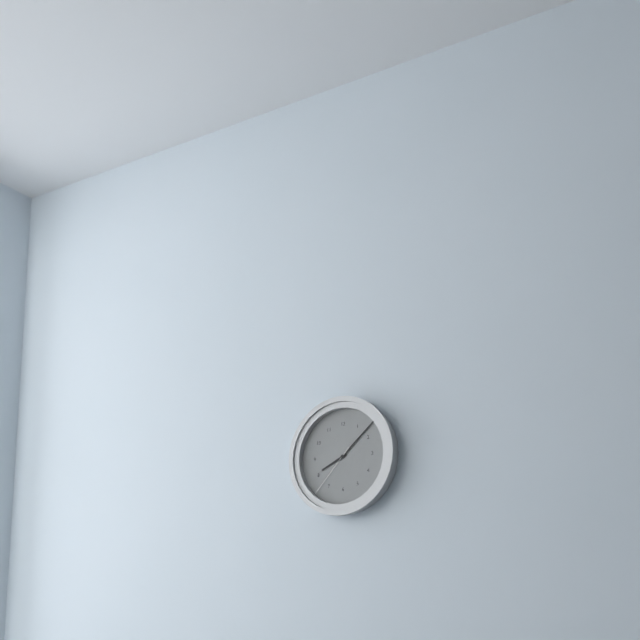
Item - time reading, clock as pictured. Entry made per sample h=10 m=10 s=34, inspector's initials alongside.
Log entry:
h=8 m=8 s=37
